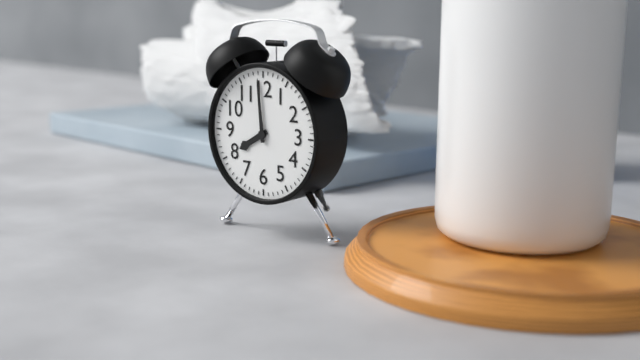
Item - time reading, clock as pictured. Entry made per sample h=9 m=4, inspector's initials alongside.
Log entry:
h=7 m=59
